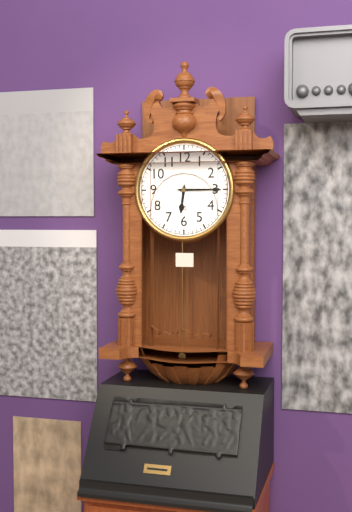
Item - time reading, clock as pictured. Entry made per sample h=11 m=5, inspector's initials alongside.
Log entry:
h=6 m=15
